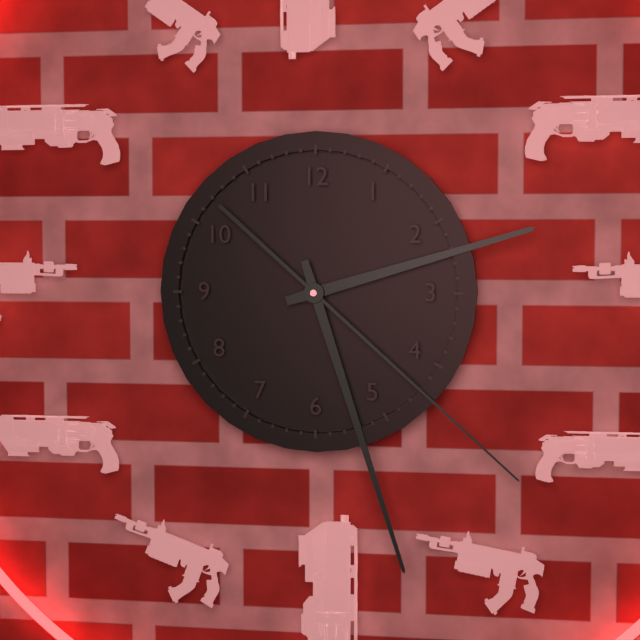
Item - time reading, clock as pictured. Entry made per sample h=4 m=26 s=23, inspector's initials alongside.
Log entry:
h=2 m=27 s=22
